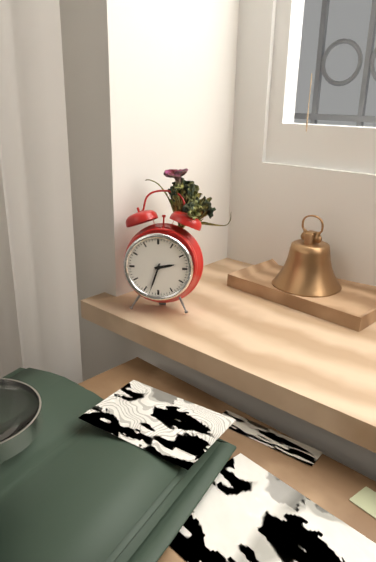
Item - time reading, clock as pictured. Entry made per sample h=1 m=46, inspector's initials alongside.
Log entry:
h=2 m=33
